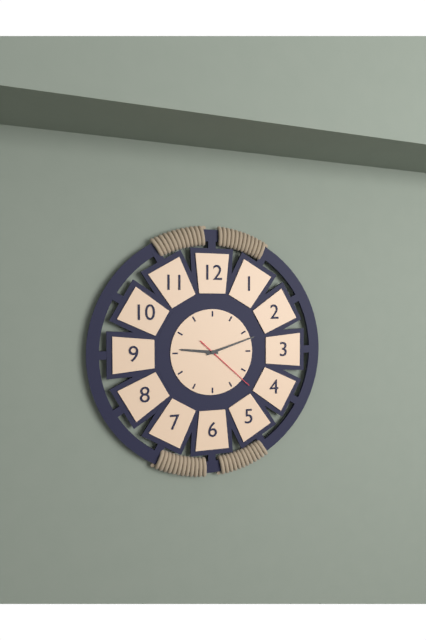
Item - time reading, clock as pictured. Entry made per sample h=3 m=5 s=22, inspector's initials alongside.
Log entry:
h=9 m=12 s=22
